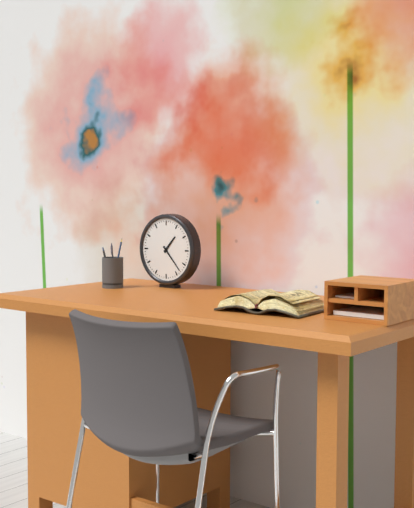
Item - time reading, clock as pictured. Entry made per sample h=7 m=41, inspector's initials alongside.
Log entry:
h=1 m=23
